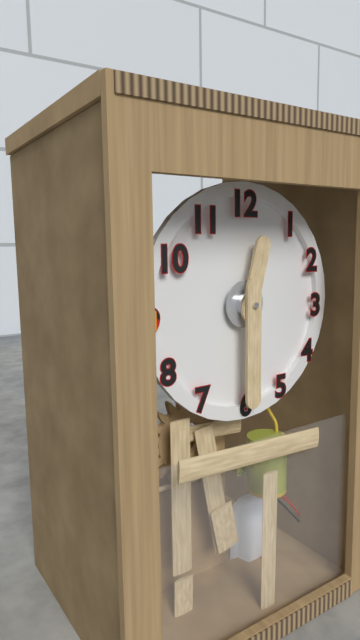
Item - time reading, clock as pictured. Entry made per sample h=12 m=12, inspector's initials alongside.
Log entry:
h=12 m=30
